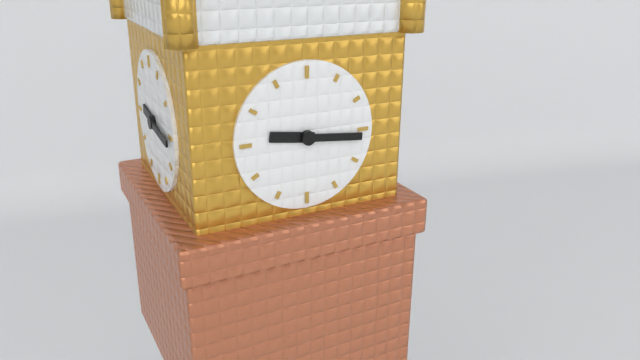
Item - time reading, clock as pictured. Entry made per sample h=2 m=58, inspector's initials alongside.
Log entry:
h=9 m=16
